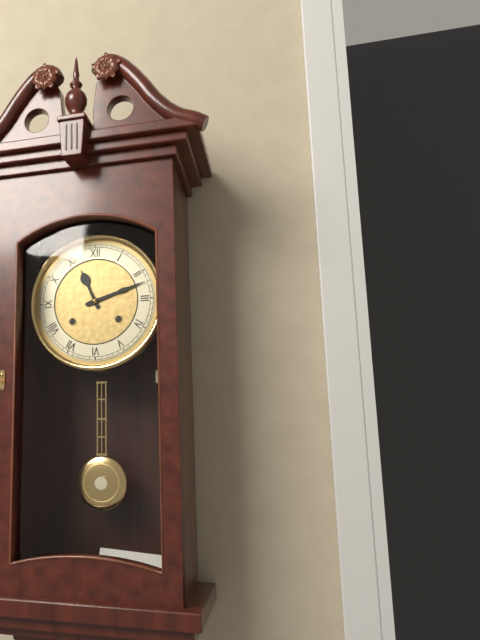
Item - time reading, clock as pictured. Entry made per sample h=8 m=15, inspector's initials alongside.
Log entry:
h=11 m=12
